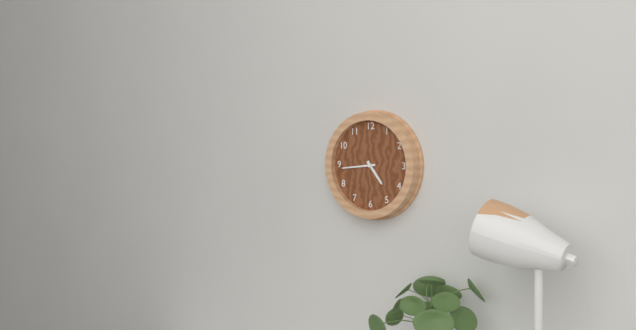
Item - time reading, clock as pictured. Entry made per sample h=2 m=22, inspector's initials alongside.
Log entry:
h=4 m=44
